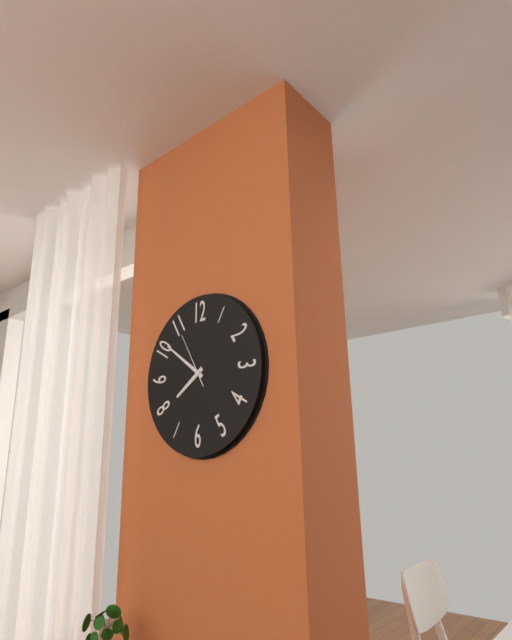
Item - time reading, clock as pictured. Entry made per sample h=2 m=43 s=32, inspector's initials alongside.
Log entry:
h=7 m=51 s=55
